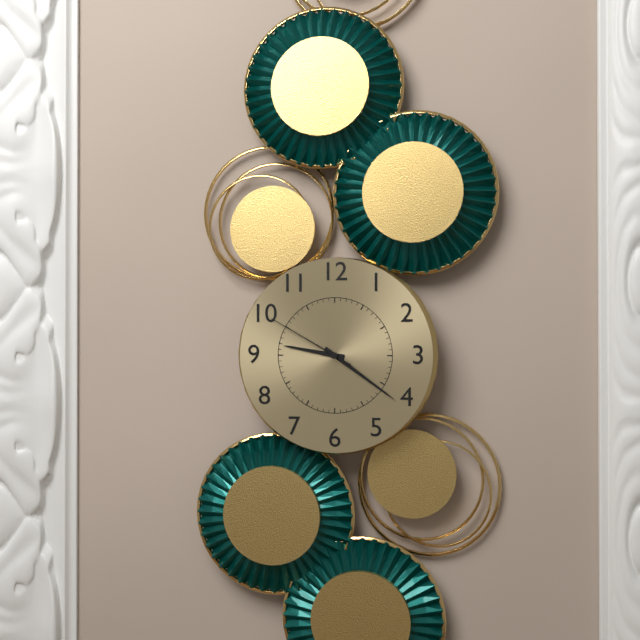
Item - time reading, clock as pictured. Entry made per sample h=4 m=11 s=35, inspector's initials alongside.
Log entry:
h=9 m=21 s=50
